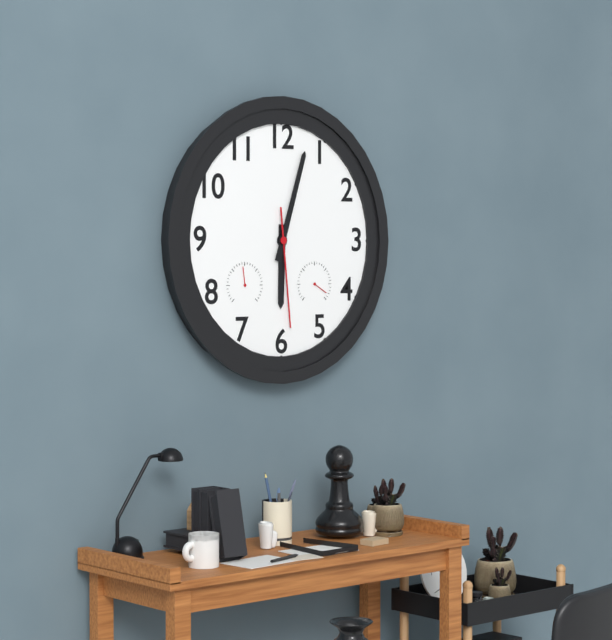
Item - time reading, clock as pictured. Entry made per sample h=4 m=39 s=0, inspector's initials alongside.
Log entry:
h=6 m=3 s=29
